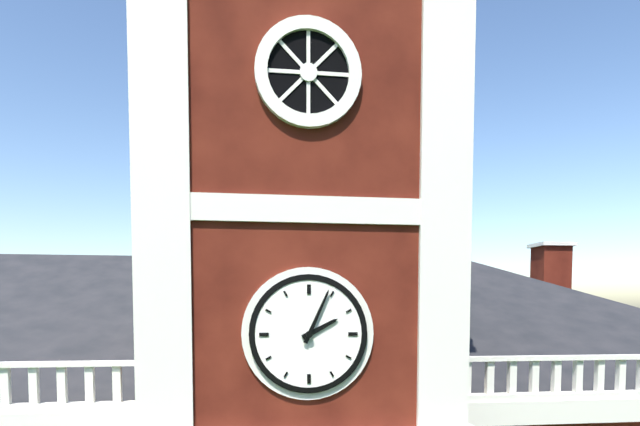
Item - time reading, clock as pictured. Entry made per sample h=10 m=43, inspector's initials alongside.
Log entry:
h=2 m=4
